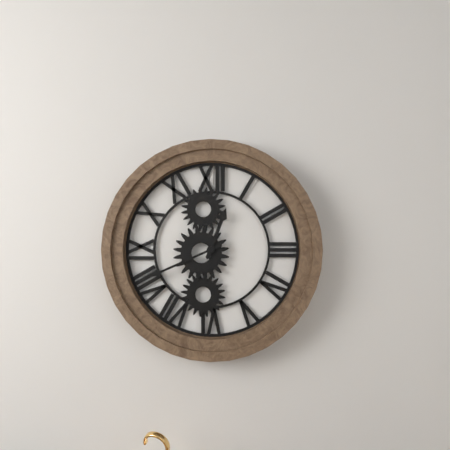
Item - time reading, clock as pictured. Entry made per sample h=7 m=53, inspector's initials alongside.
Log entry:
h=12 m=41
